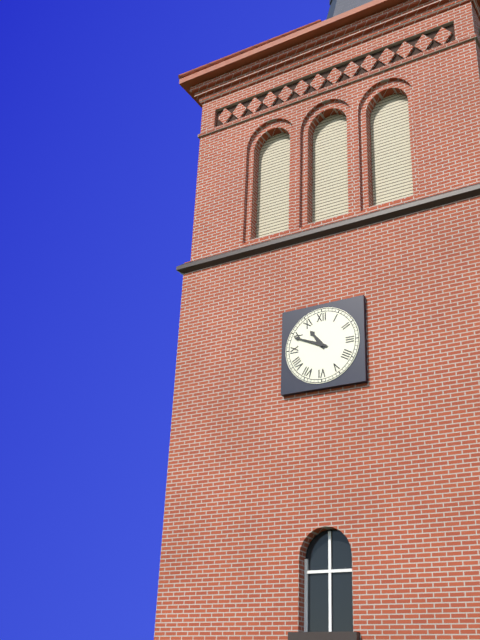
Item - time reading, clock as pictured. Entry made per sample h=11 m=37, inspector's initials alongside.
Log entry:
h=10 m=49
